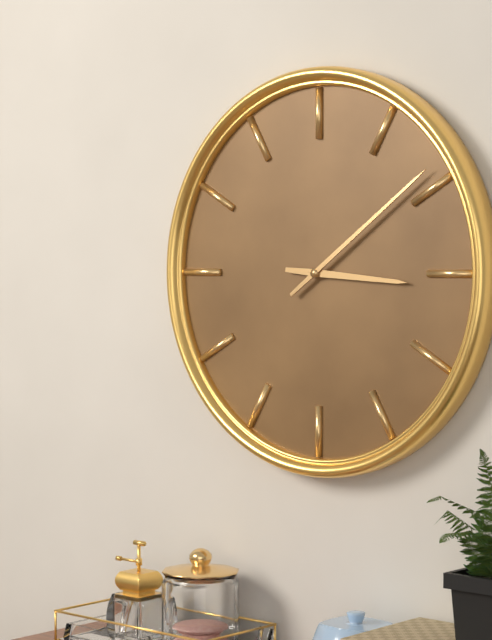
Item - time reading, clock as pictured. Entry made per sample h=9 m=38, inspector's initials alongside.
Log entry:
h=3 m=9
